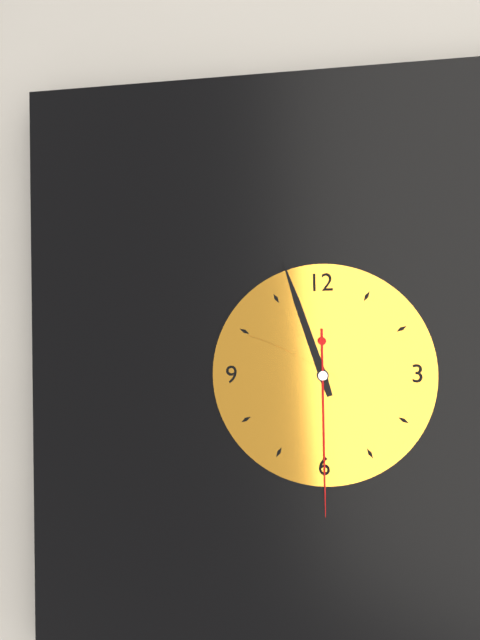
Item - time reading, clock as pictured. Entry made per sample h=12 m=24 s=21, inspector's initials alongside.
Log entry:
h=9 m=57 s=30
